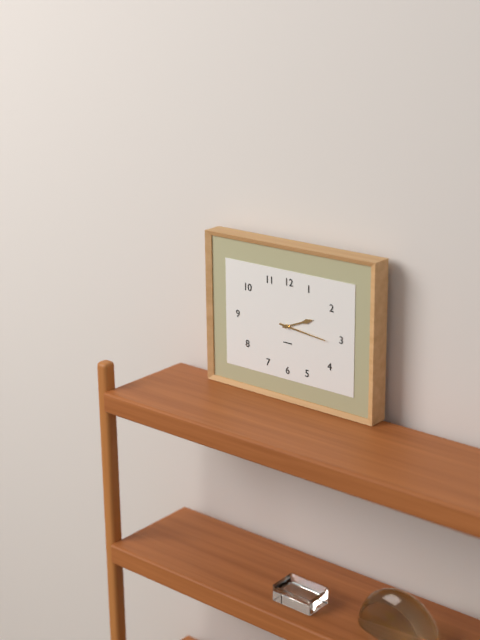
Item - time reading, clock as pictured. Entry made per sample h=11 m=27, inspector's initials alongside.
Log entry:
h=2 m=16
